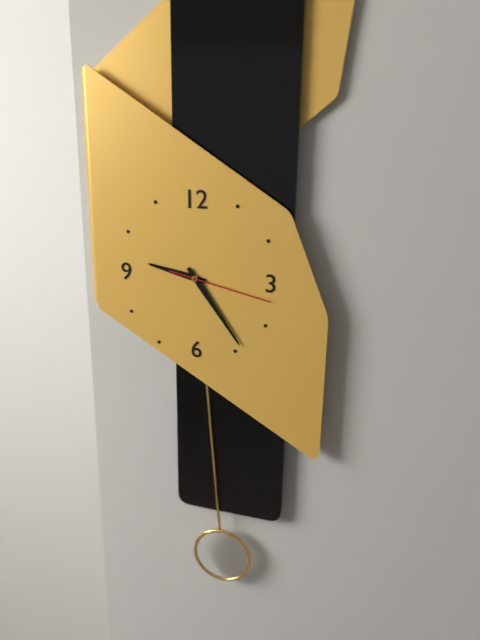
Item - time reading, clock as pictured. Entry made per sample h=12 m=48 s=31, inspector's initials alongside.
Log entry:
h=9 m=24 s=17
